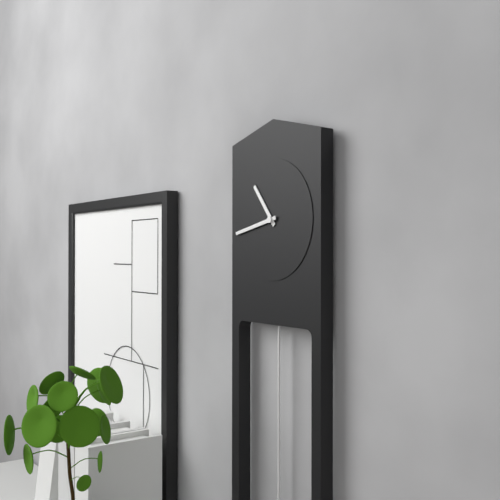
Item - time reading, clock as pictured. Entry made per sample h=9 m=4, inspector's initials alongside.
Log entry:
h=10 m=43
